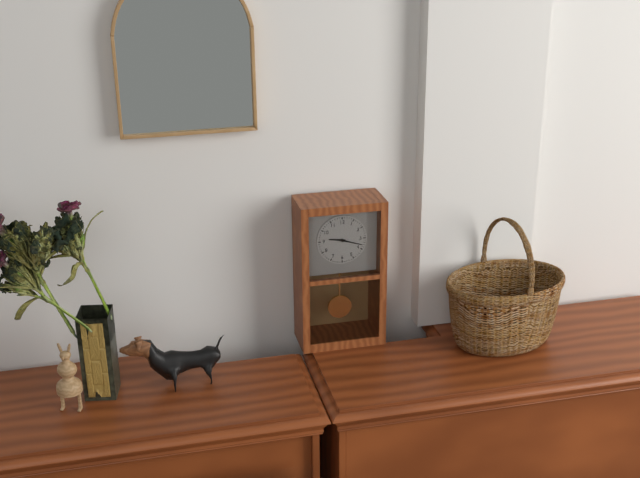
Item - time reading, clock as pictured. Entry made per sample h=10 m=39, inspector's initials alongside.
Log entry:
h=9 m=18
